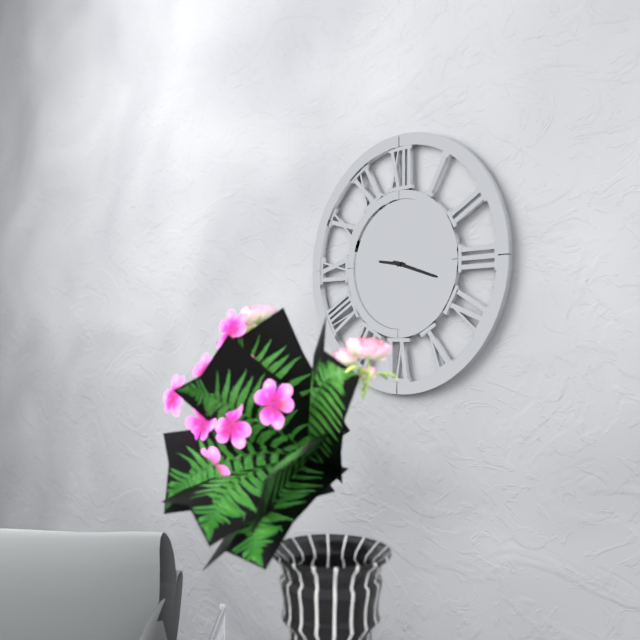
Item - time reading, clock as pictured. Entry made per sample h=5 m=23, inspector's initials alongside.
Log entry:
h=9 m=18
